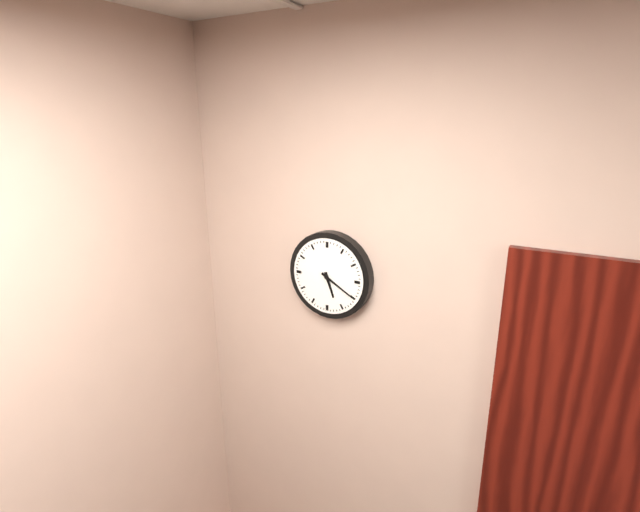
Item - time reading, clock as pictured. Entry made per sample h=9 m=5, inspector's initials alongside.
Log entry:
h=5 m=20
